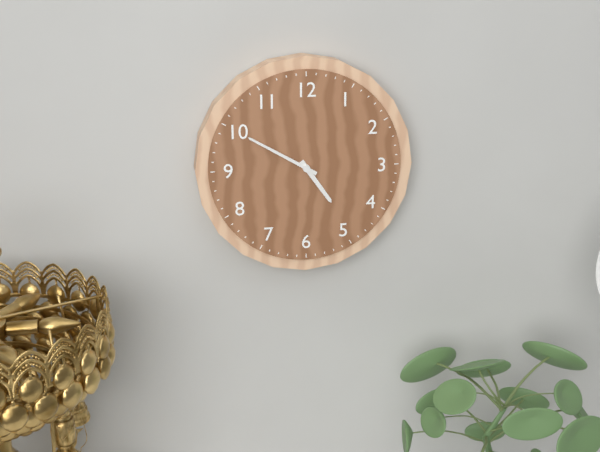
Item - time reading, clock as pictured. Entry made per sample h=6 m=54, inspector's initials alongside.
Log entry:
h=4 m=50
